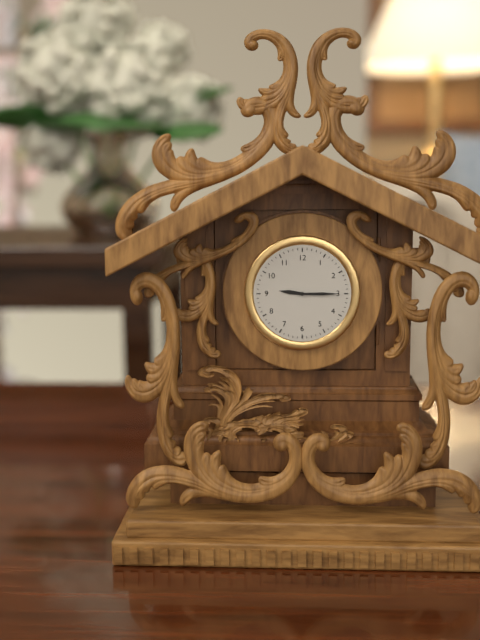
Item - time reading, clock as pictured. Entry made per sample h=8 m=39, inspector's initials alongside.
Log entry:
h=9 m=15
